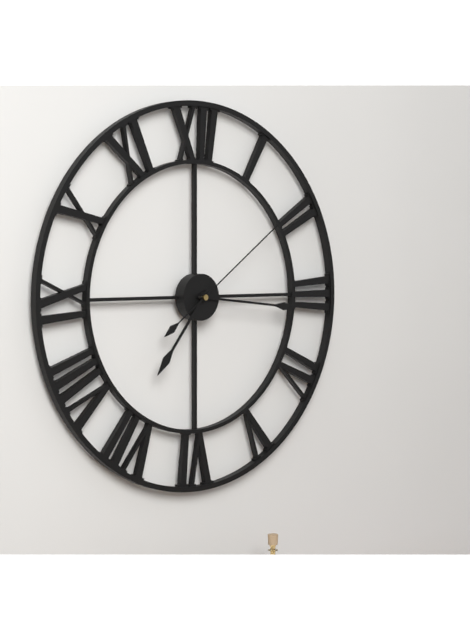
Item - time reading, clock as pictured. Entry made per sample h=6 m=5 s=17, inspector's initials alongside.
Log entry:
h=7 m=16 s=9
